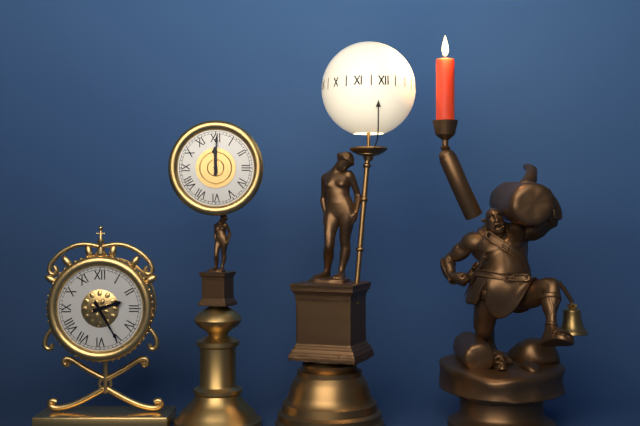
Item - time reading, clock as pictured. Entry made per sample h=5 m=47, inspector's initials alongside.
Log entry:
h=2 m=25
